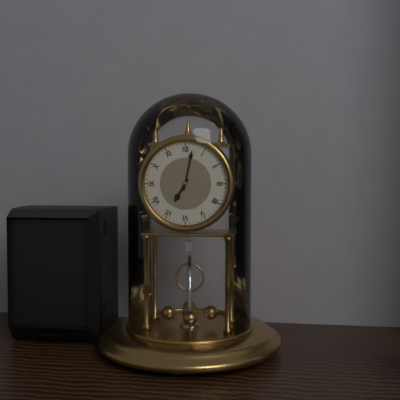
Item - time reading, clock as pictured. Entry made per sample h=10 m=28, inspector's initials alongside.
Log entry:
h=7 m=2
